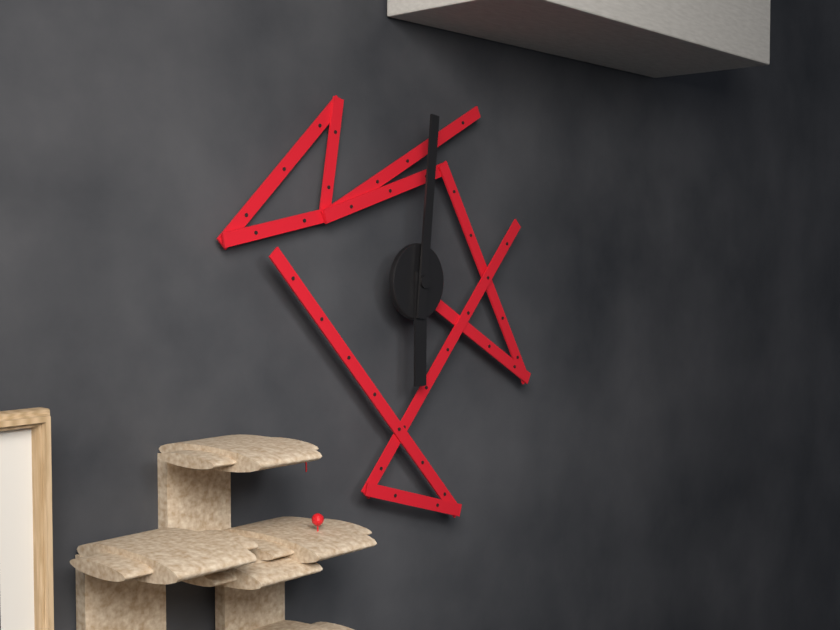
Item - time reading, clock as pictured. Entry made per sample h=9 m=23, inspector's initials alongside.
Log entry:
h=6 m=1
